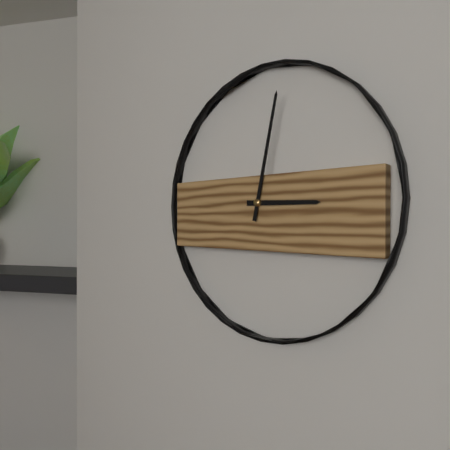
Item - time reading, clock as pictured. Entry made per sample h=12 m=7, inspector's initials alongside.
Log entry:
h=3 m=2
